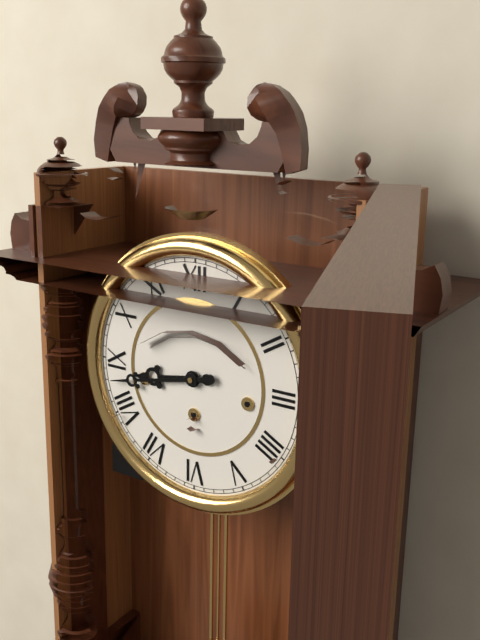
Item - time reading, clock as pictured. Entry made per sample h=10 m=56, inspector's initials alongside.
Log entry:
h=8 m=43
